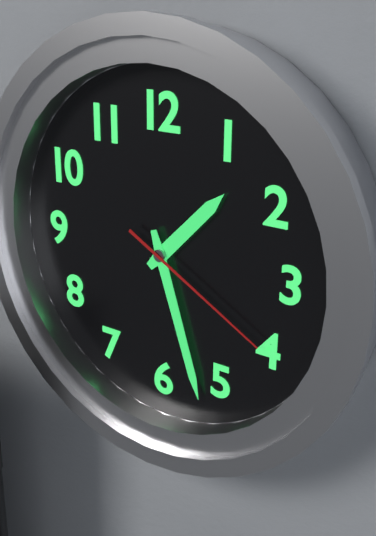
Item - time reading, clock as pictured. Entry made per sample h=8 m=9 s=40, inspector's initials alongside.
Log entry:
h=1 m=27 s=20
